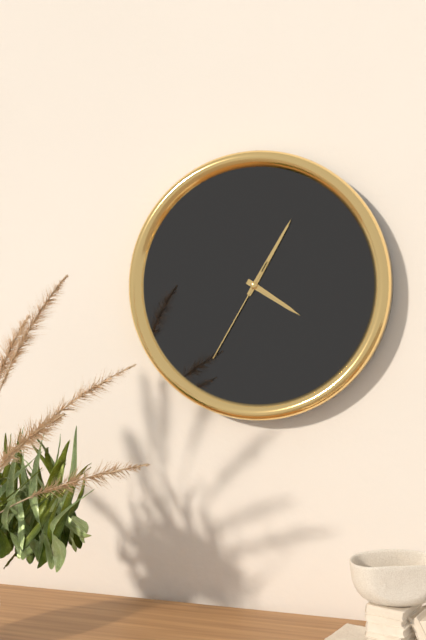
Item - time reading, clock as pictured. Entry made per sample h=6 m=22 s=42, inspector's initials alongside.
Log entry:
h=4 m=5 s=35
